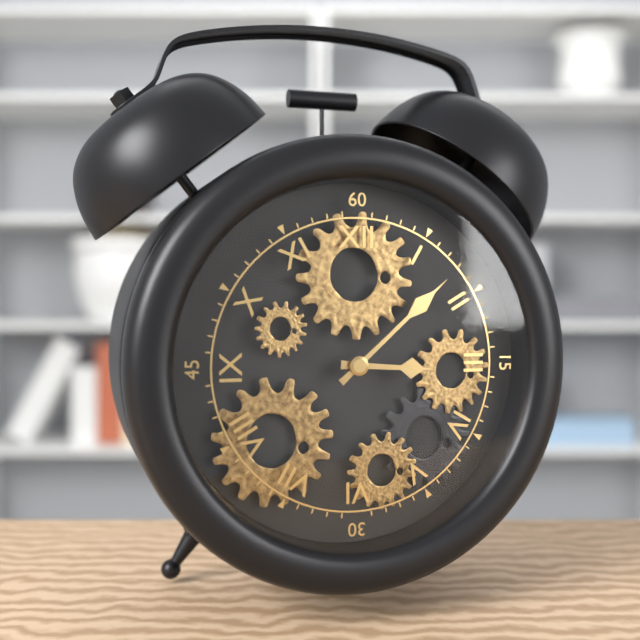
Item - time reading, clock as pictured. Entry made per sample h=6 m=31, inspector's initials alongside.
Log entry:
h=3 m=8
